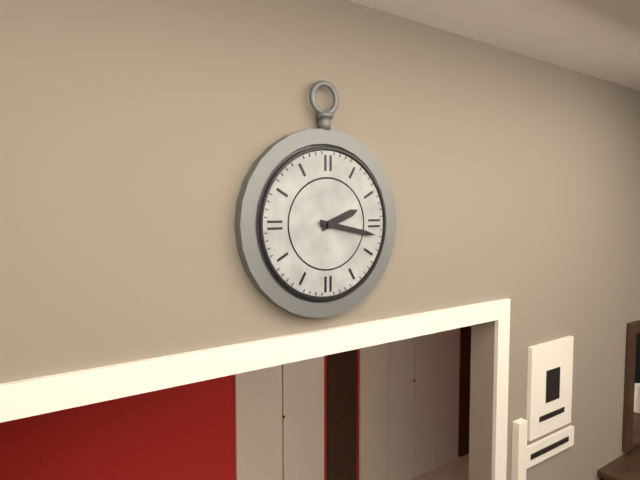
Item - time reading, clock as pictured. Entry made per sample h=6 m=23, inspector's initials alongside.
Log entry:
h=2 m=17
